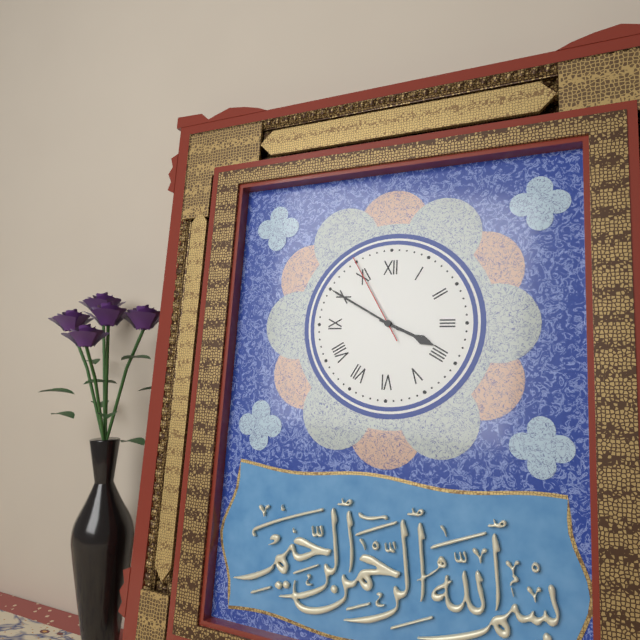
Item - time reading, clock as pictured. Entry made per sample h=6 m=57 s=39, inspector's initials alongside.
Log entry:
h=3 m=50 s=55
